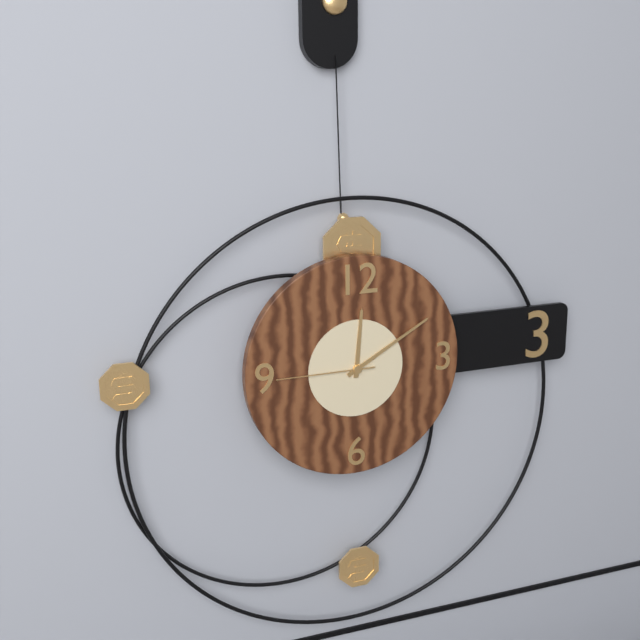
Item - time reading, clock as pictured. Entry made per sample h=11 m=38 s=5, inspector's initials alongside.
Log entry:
h=12 m=10 s=45
